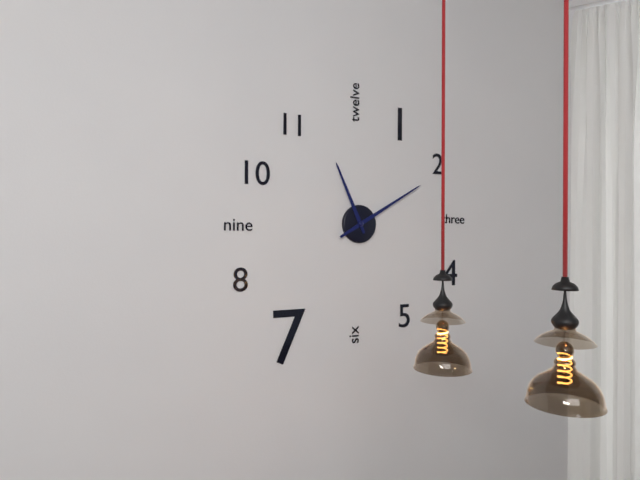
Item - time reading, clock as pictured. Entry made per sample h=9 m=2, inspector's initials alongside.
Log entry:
h=11 m=10
